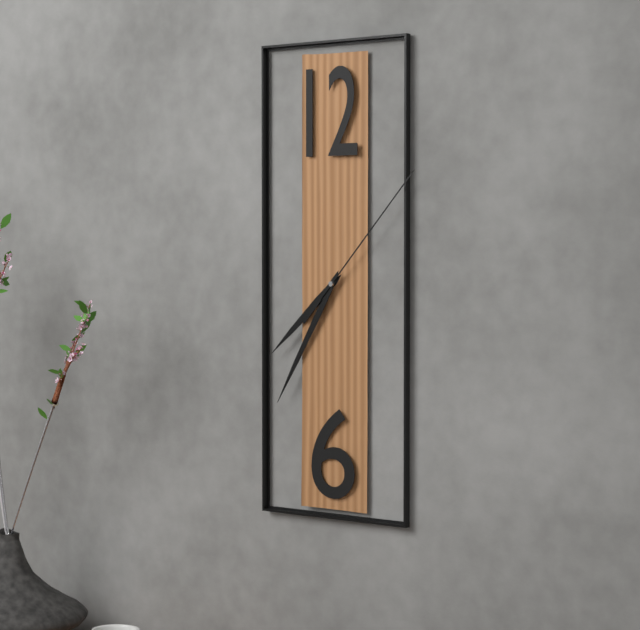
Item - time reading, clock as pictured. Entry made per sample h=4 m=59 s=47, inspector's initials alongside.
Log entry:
h=7 m=35 s=7
